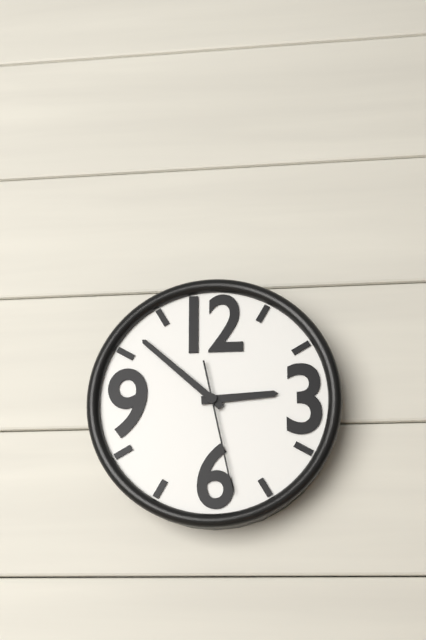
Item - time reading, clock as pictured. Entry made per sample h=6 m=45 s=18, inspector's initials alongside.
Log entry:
h=2 m=52 s=28
